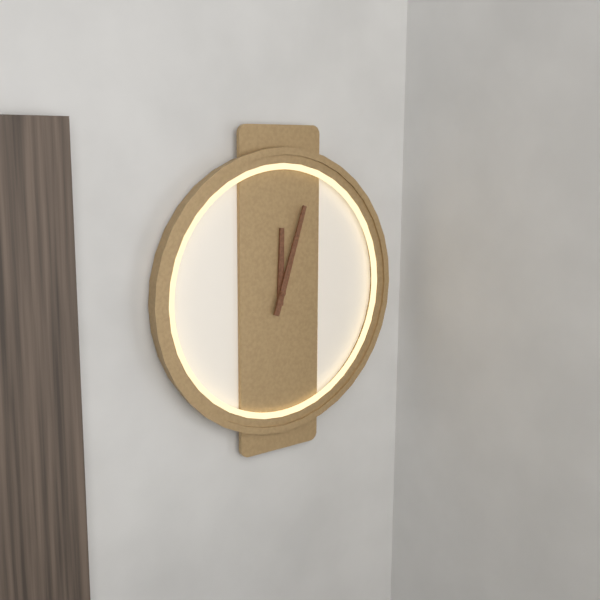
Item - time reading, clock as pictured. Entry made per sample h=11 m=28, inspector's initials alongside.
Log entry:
h=12 m=3
